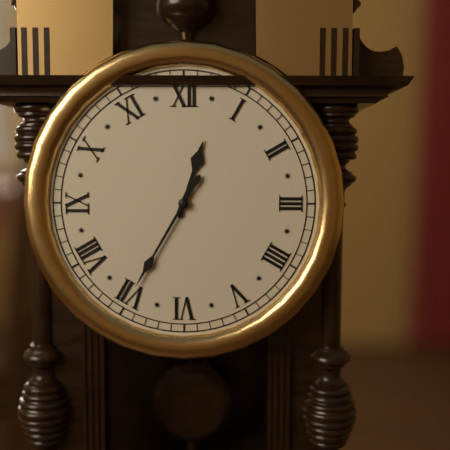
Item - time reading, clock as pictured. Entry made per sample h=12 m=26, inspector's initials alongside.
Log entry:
h=12 m=35
